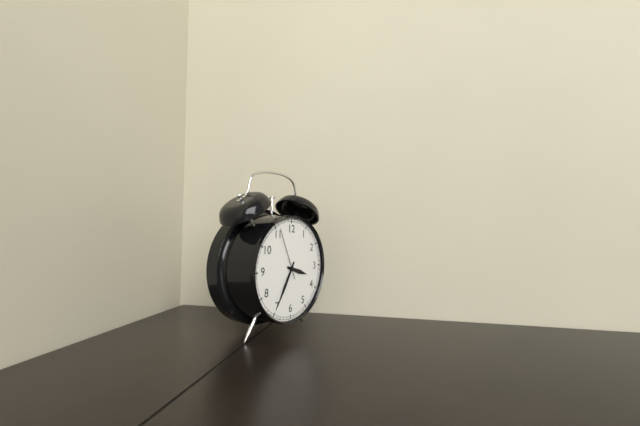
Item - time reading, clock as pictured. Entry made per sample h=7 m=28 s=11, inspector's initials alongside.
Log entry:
h=3 m=35 s=56
